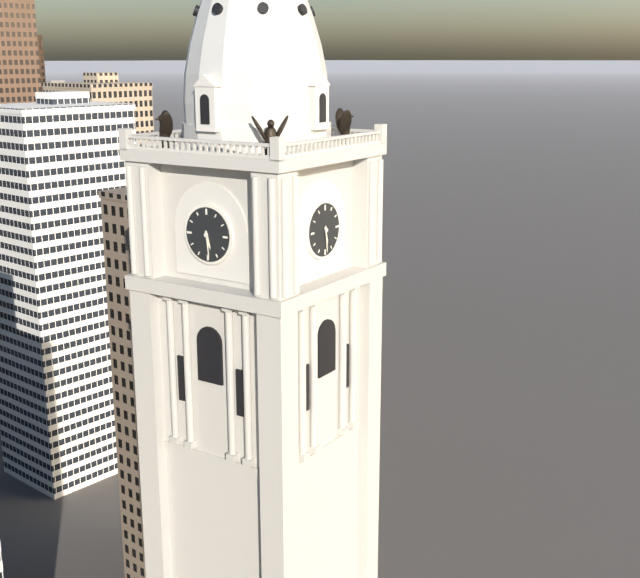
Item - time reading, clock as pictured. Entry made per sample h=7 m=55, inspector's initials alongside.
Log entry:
h=5 m=29
